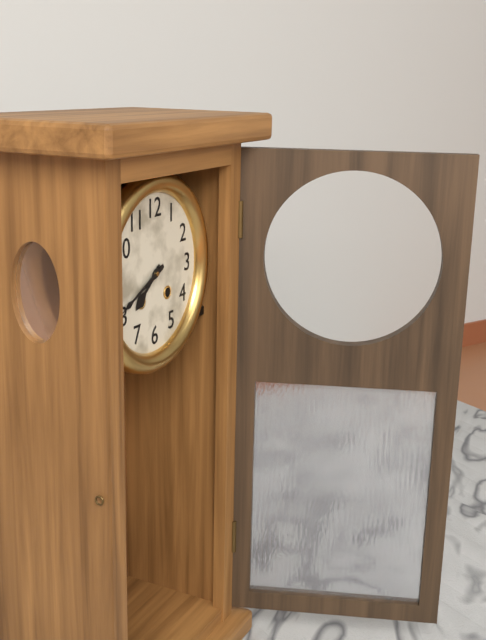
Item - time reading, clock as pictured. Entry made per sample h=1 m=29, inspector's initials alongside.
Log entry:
h=7 m=41
